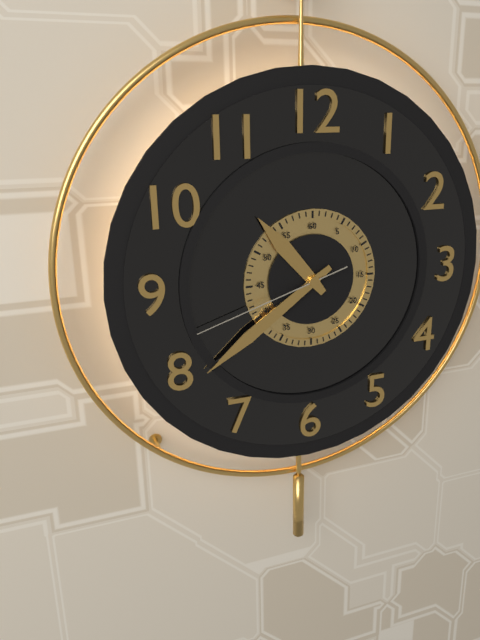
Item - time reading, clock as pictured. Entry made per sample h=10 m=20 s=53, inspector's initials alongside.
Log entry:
h=10 m=39 s=42
